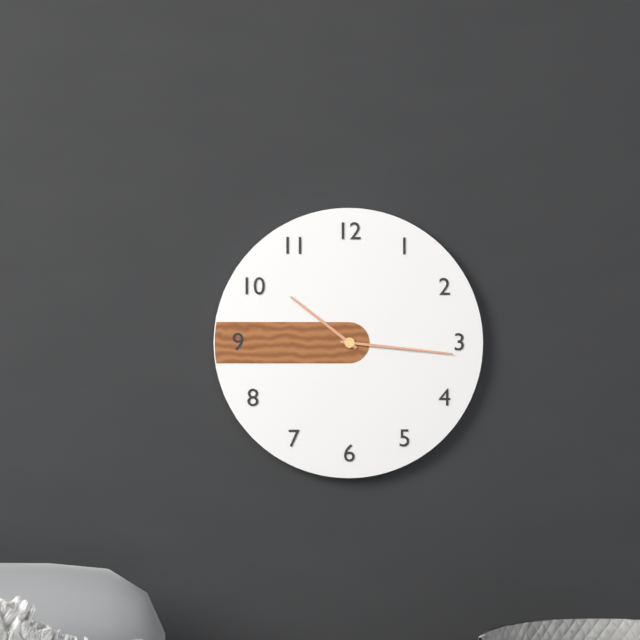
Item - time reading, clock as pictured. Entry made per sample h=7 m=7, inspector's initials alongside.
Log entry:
h=10 m=16
